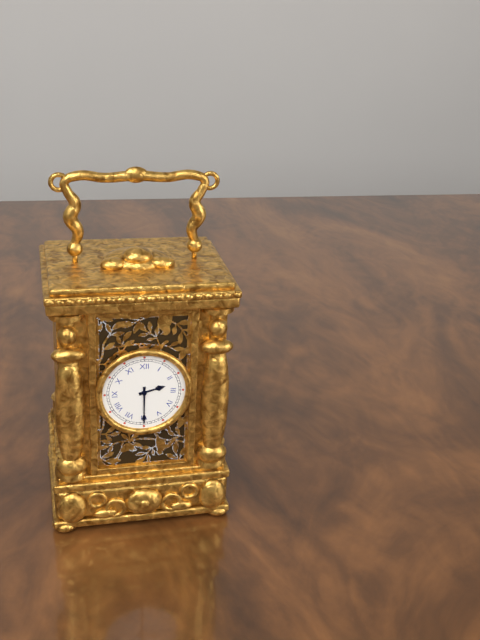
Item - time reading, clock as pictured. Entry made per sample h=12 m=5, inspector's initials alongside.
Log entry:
h=2 m=30
